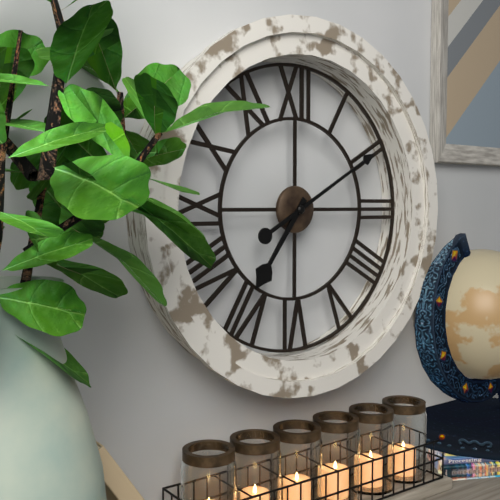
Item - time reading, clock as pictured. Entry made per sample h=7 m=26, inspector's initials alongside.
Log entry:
h=7 m=10
